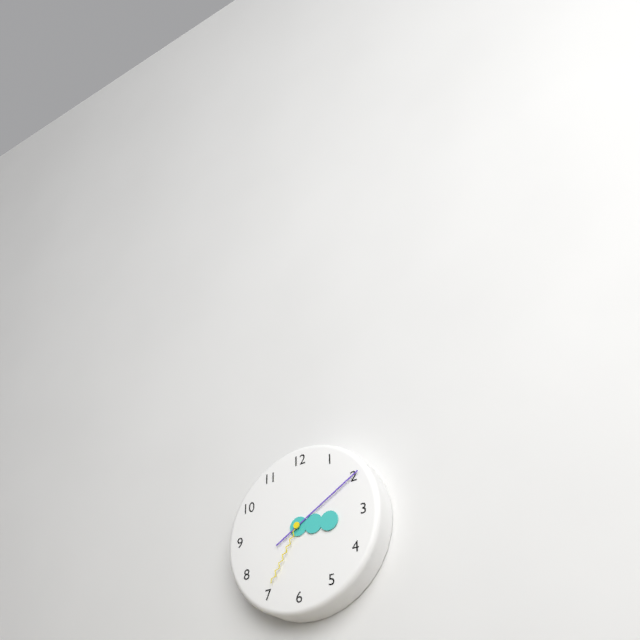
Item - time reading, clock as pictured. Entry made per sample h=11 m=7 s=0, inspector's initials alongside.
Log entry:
h=3 m=10 s=35
